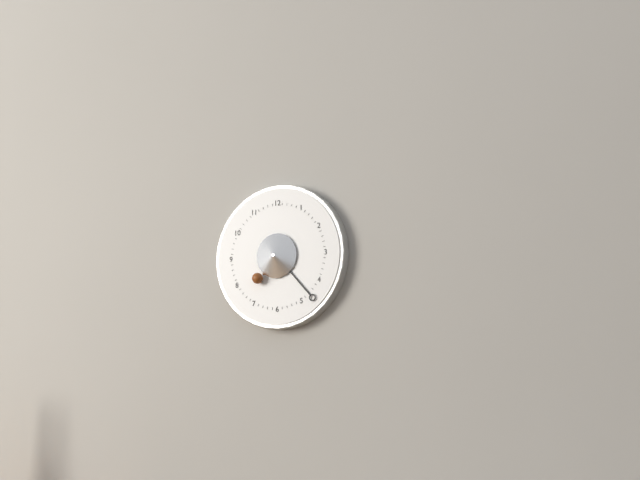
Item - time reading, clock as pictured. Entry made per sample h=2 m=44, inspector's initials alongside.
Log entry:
h=7 m=23
